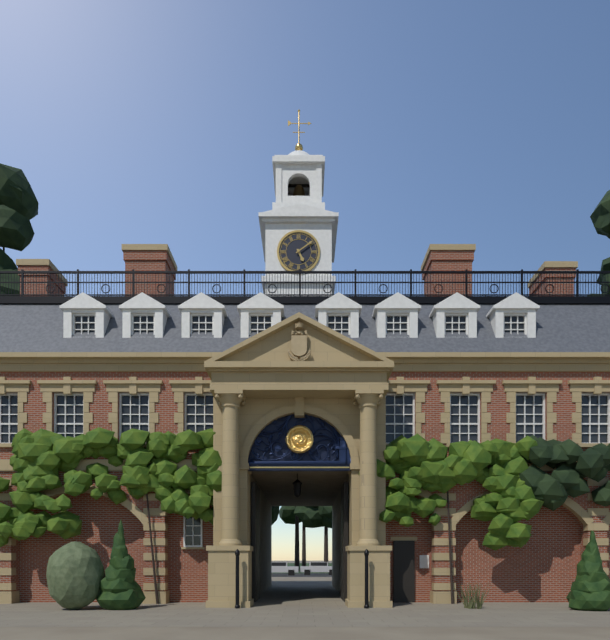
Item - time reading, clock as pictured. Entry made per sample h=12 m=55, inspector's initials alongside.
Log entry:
h=5 m=9
